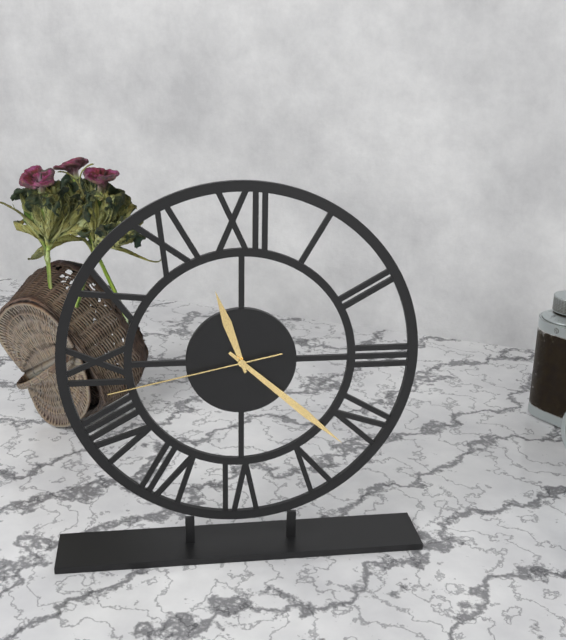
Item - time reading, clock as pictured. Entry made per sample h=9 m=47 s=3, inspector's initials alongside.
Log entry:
h=11 m=22 s=43
